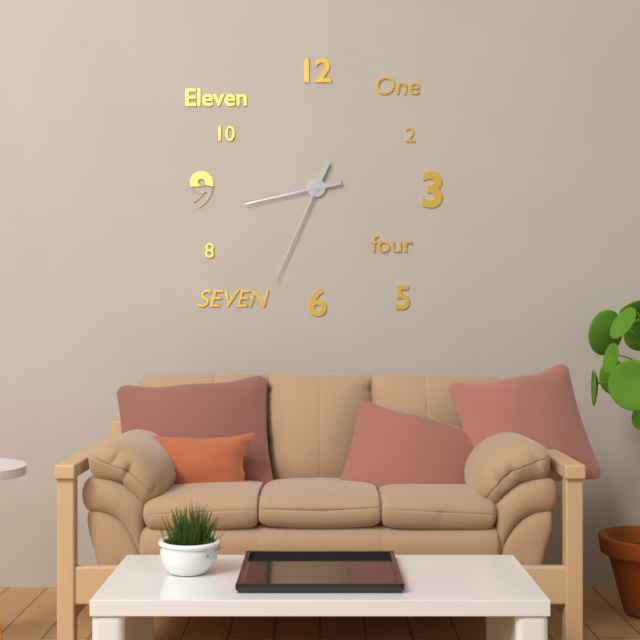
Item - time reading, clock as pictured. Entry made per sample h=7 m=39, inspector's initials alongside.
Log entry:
h=8 m=34
